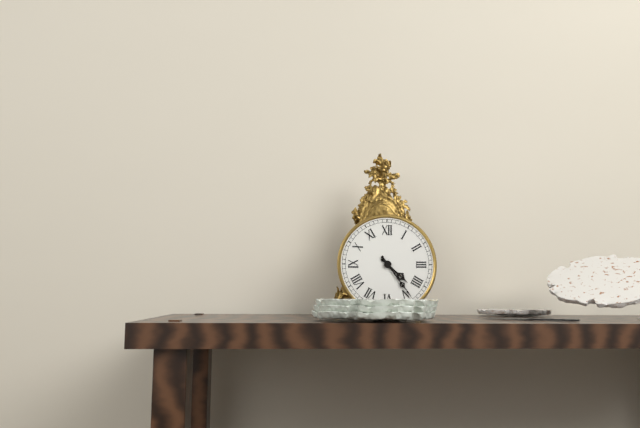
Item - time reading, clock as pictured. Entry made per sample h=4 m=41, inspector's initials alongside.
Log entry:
h=4 m=24
